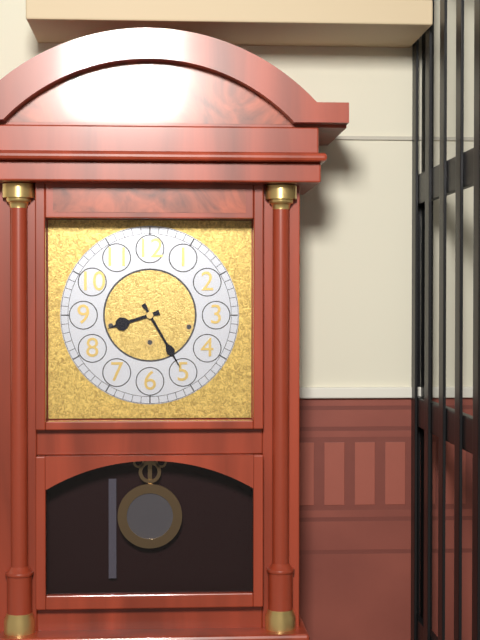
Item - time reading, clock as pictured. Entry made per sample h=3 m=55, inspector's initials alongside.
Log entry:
h=8 m=25
